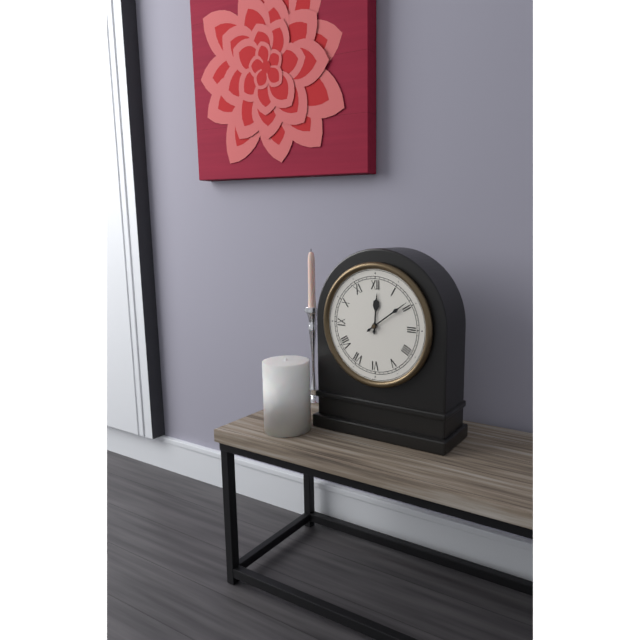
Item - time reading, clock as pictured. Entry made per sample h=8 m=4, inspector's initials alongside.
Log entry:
h=12 m=9
